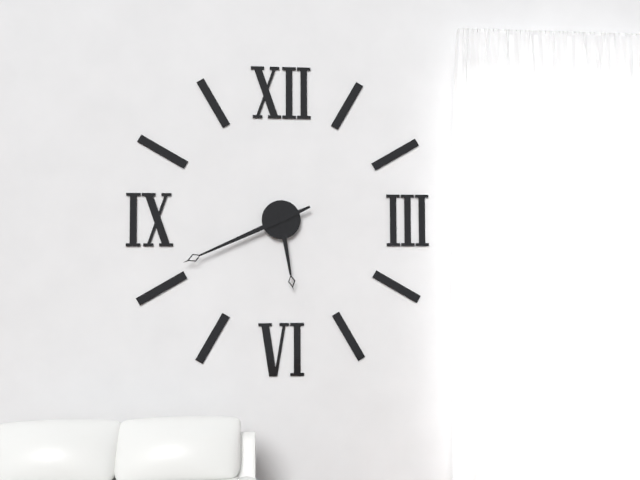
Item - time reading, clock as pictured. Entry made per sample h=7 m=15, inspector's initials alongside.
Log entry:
h=5 m=41
